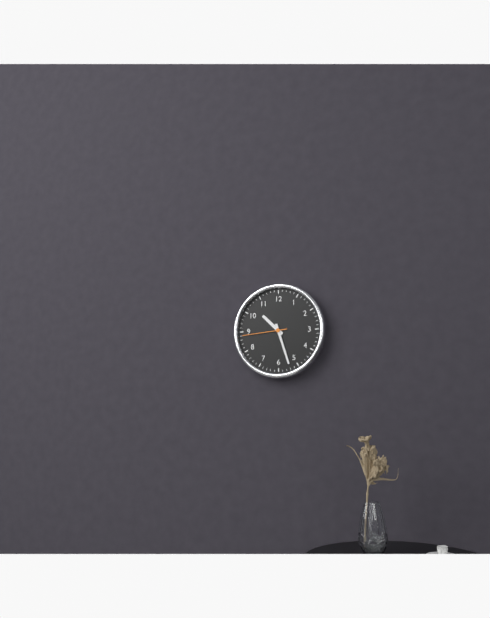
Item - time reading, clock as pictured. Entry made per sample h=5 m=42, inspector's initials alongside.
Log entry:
h=10 m=27
